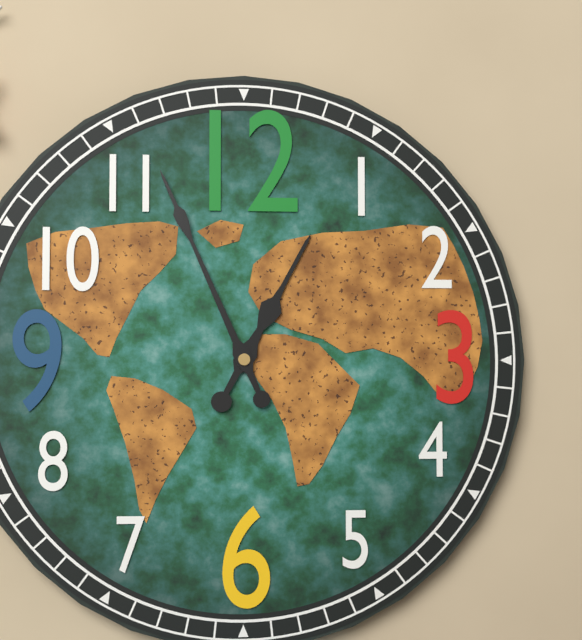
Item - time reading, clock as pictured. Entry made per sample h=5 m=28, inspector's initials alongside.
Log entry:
h=12 m=56
